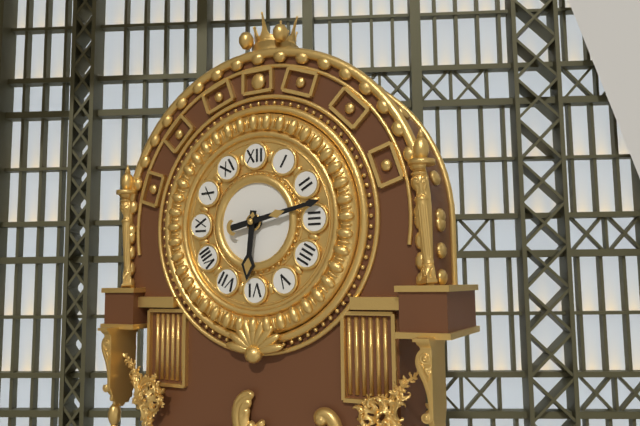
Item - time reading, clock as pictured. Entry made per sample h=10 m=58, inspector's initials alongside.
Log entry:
h=6 m=13
